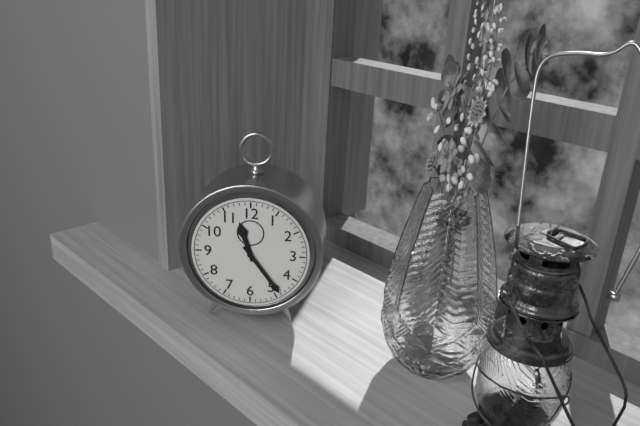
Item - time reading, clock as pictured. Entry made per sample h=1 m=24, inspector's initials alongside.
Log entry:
h=11 m=24
